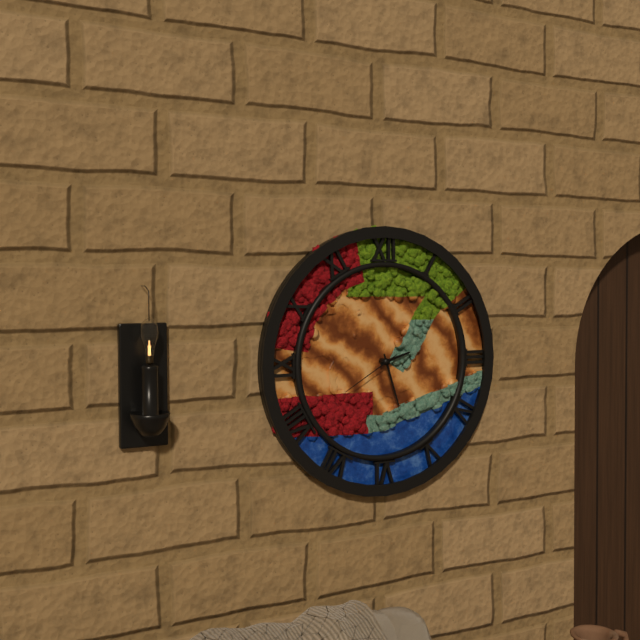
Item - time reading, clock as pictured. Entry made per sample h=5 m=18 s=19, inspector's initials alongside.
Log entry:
h=2 m=27 s=40
